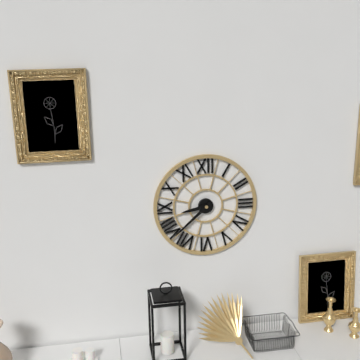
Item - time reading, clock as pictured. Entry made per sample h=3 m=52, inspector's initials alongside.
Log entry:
h=8 m=38
